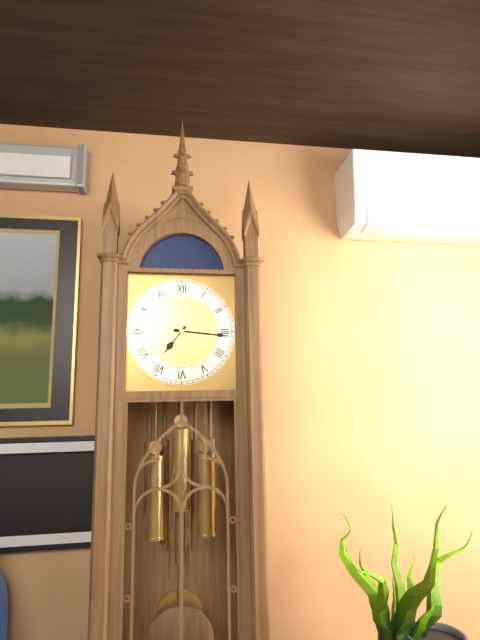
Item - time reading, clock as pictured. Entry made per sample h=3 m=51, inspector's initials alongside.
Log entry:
h=7 m=16
